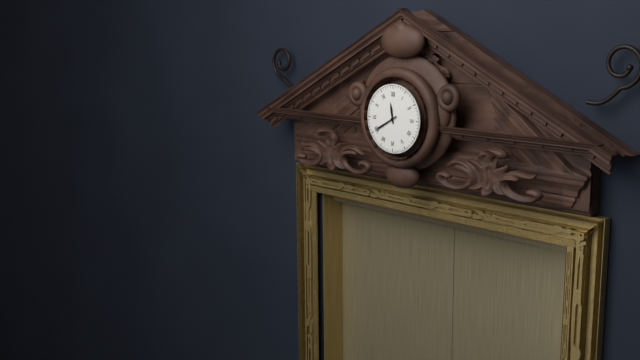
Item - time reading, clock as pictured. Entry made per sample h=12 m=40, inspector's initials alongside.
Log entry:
h=11 m=40
